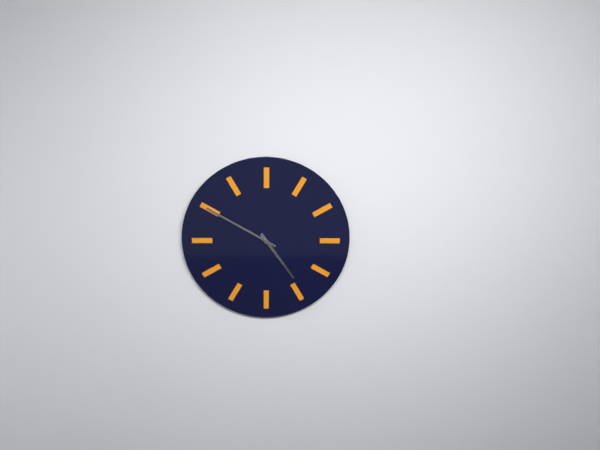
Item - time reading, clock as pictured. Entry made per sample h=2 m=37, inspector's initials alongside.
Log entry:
h=4 m=50
